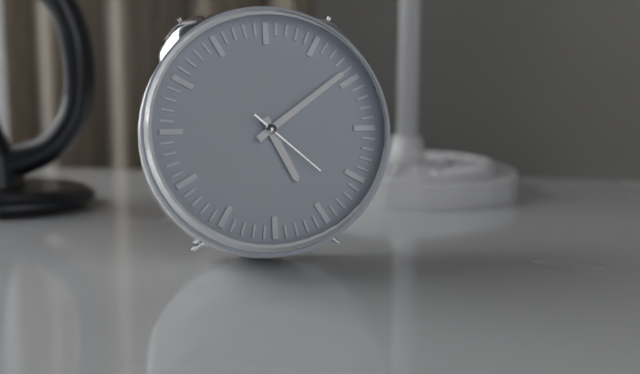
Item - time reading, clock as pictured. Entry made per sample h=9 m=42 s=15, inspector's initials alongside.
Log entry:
h=5 m=9 s=22
